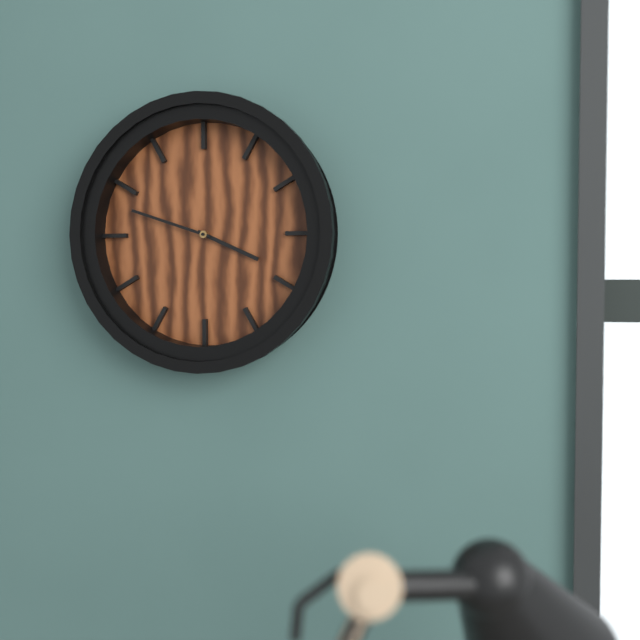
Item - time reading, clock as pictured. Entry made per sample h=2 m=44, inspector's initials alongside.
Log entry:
h=3 m=48
